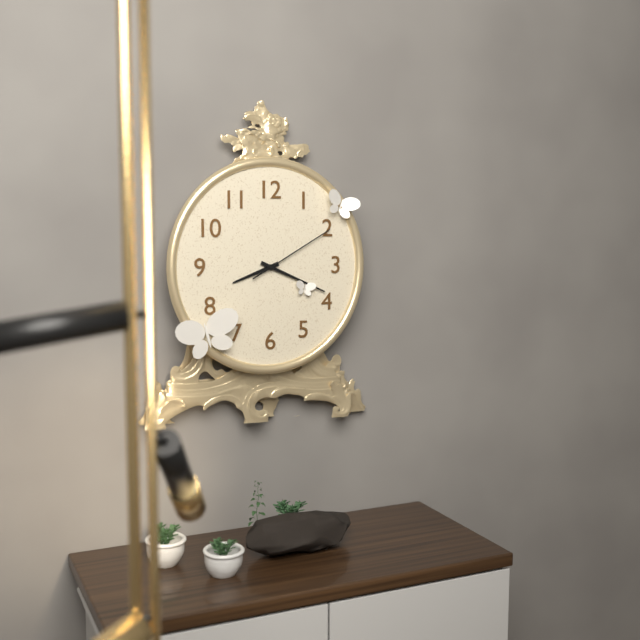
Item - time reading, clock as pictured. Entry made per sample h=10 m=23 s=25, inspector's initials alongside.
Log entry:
h=8 m=19 s=10
